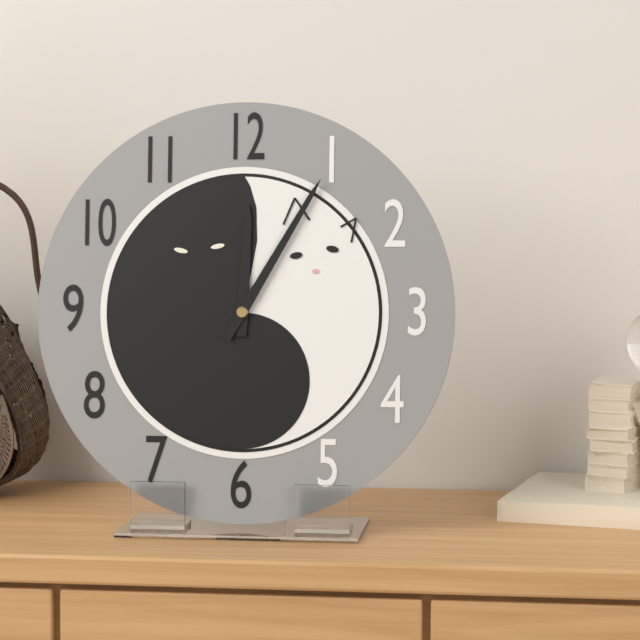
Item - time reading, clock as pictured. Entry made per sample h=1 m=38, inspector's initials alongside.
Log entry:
h=12 m=5
